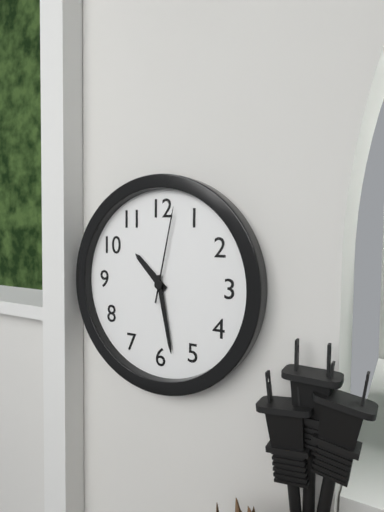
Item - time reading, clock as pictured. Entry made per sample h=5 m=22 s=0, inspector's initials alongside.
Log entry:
h=10 m=28 s=2
